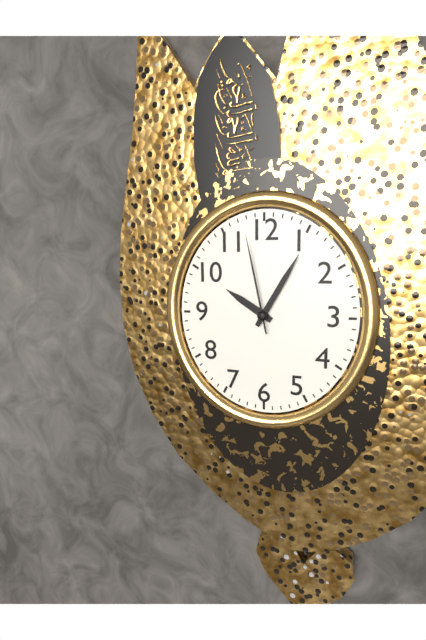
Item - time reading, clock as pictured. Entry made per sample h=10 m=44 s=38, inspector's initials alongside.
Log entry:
h=10 m=5 s=58
